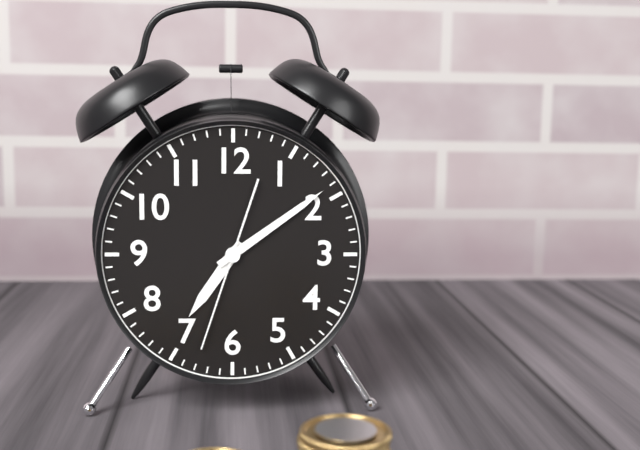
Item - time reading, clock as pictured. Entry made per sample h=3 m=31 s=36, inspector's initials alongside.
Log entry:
h=7 m=9 s=33
